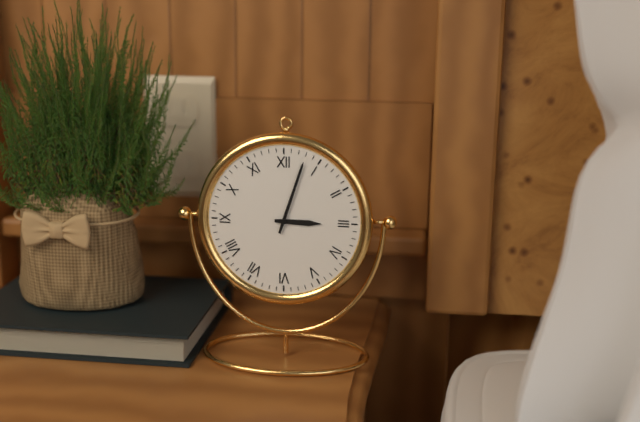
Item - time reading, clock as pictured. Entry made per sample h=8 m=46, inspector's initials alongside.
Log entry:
h=3 m=3
